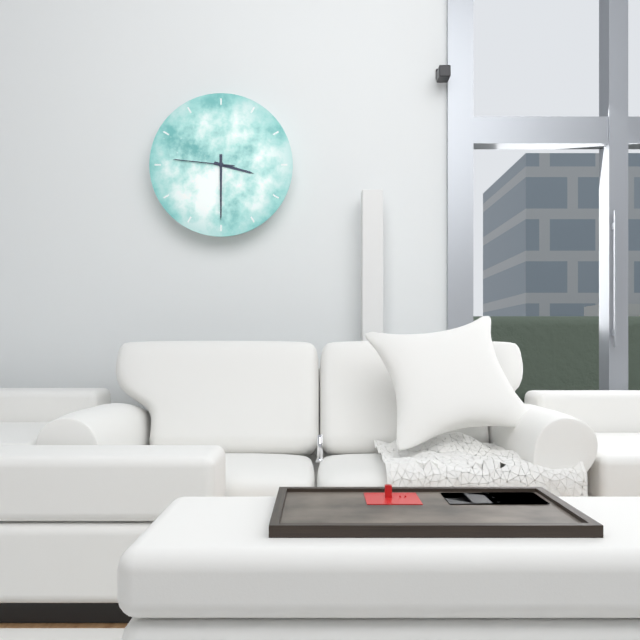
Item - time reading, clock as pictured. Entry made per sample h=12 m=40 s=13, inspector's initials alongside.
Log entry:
h=3 m=30 s=46
